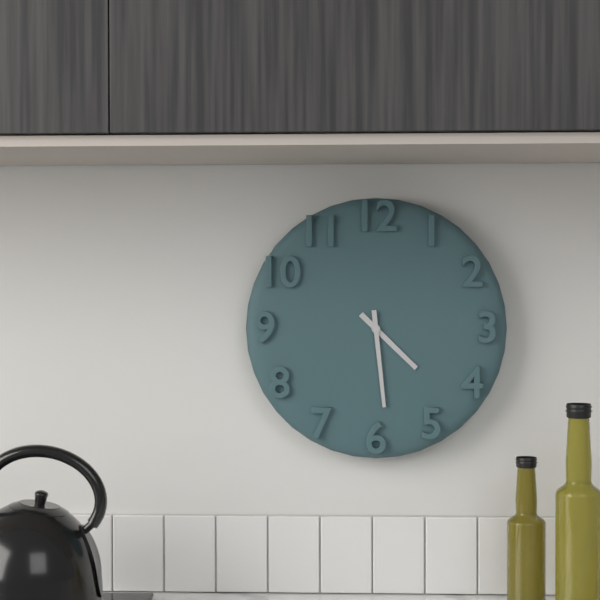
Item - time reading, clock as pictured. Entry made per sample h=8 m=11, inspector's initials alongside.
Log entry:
h=4 m=29
